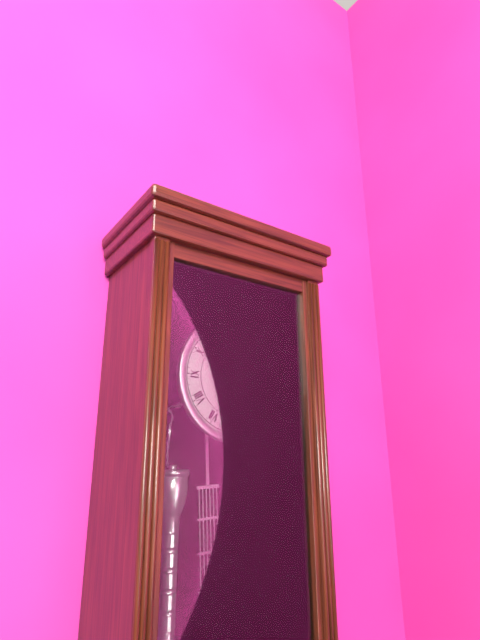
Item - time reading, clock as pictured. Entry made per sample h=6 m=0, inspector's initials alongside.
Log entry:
h=4 m=53
